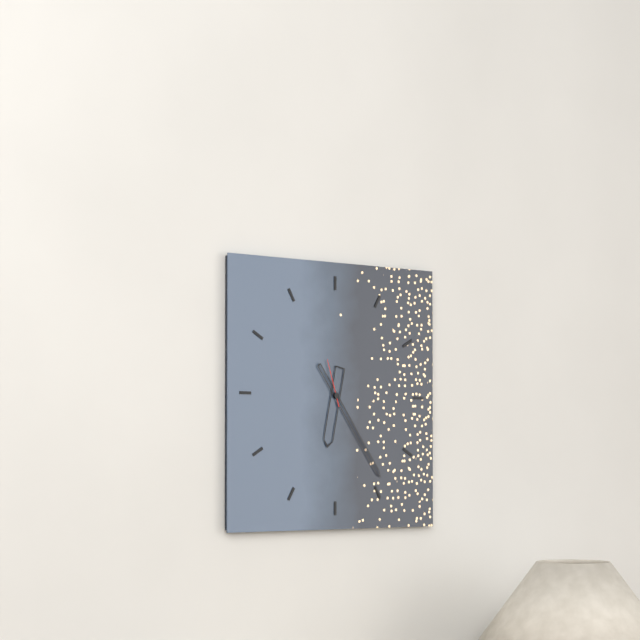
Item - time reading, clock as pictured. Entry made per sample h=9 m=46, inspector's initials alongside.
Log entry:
h=6 m=24
